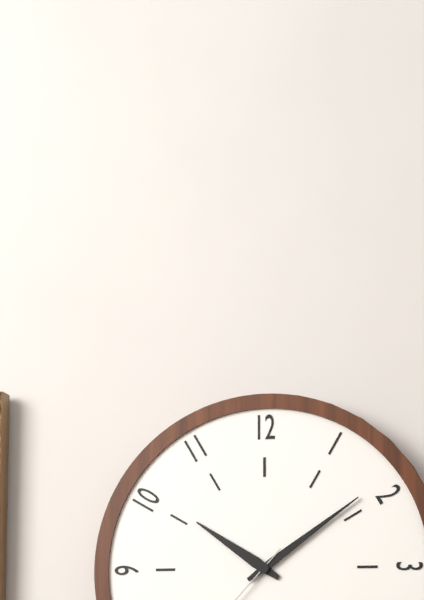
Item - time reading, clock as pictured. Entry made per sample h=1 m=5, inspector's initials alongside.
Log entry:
h=10 m=9
